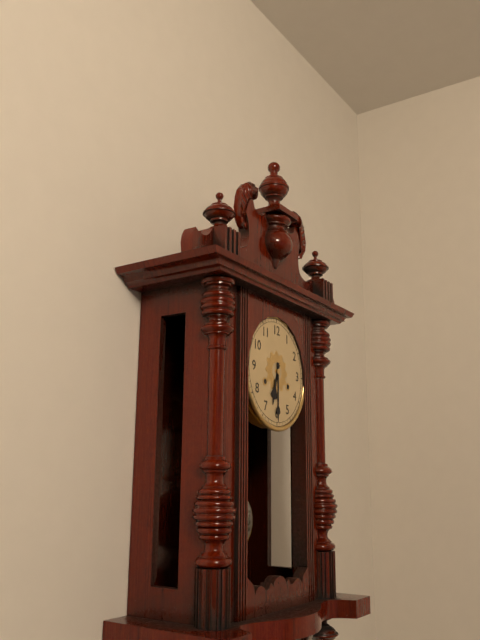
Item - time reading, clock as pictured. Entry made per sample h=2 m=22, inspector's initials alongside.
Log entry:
h=6 m=30
